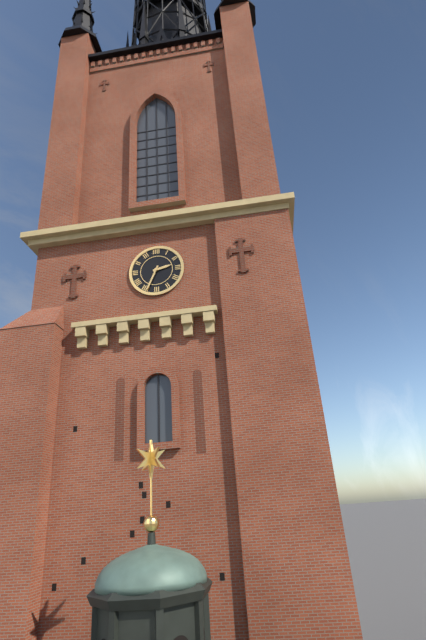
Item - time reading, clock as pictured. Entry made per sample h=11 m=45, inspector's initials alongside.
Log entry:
h=2 m=34
